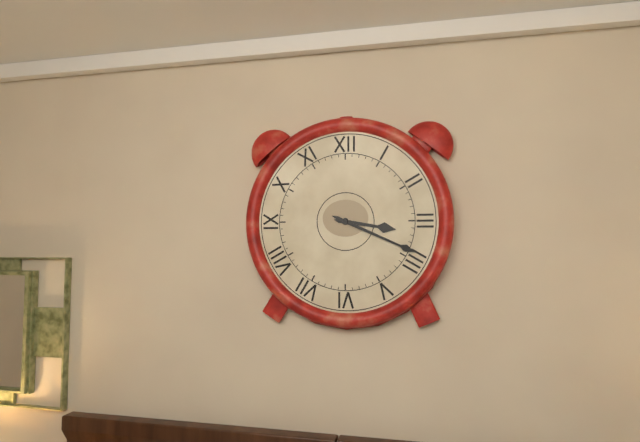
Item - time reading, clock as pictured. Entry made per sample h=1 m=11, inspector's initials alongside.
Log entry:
h=3 m=19
